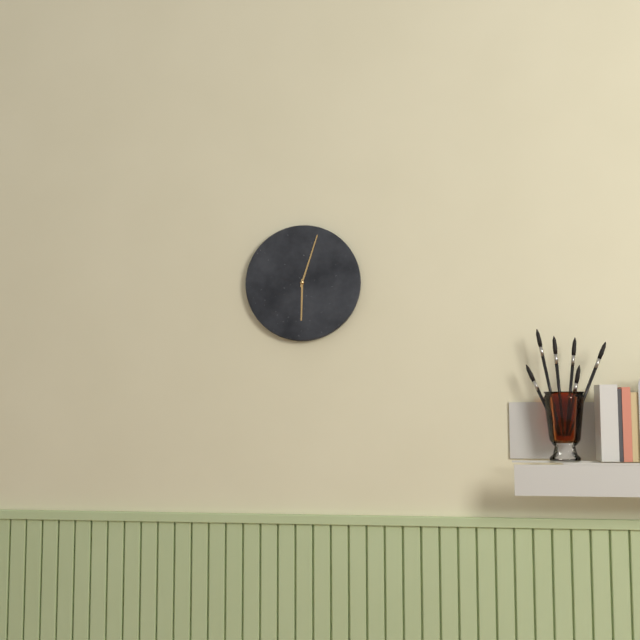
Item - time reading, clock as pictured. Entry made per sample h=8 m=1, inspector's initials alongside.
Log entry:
h=6 m=3
